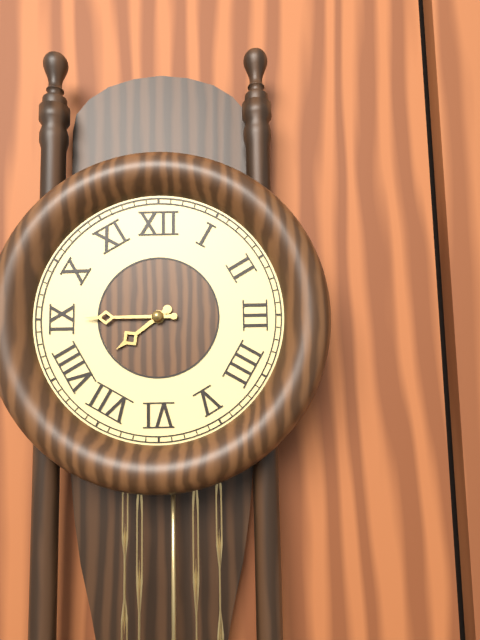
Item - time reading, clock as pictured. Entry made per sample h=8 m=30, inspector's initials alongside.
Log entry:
h=7 m=45
